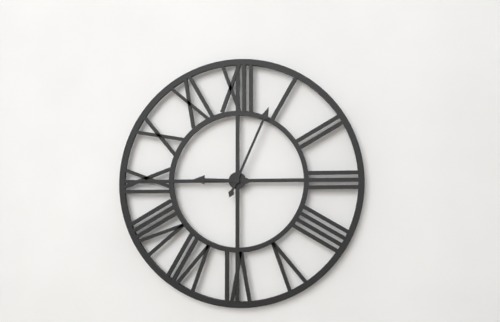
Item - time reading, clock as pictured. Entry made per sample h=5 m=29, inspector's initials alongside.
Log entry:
h=9 m=4
